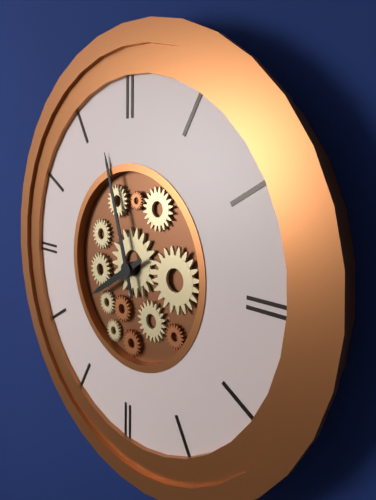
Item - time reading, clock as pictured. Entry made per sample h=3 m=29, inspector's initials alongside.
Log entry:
h=7 m=57
